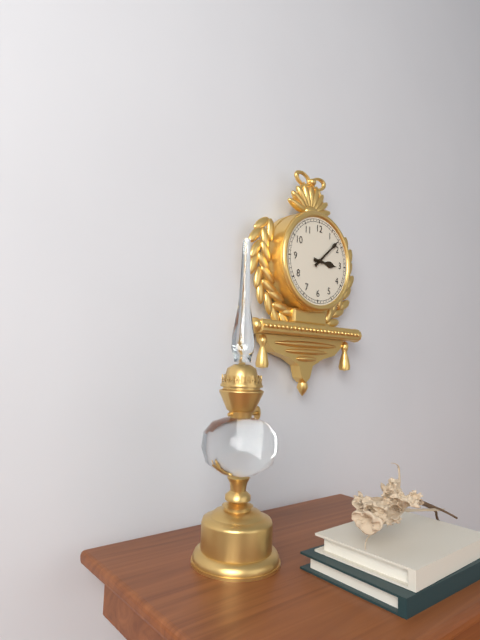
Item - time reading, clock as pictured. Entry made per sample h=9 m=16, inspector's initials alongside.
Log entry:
h=3 m=8
